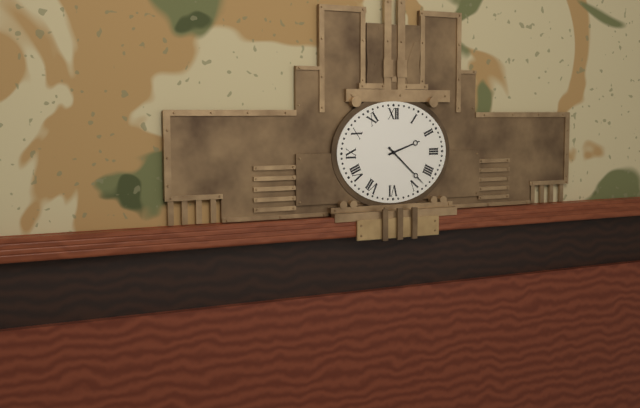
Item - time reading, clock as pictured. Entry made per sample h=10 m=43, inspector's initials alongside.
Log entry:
h=2 m=22
